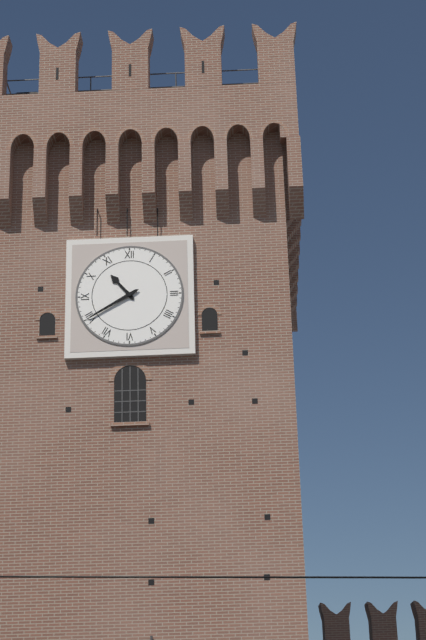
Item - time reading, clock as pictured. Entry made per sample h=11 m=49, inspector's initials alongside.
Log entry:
h=10 m=40
